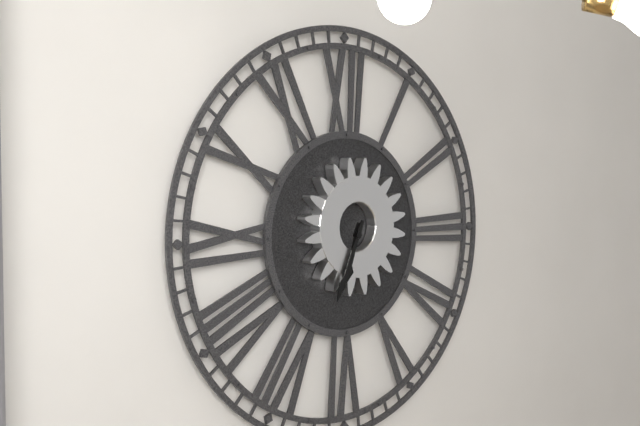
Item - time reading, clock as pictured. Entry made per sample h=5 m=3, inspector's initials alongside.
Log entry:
h=6 m=34
